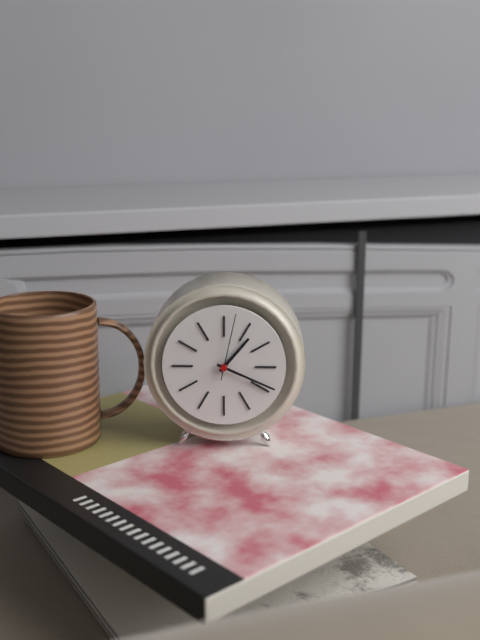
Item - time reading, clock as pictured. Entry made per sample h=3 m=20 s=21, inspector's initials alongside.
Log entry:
h=1 m=19 s=2
